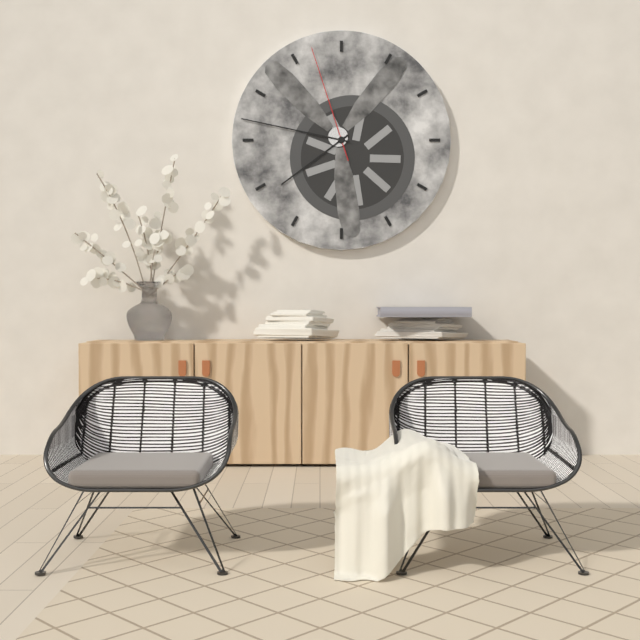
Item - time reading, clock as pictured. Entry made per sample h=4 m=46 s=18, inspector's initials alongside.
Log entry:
h=7 m=47 s=57
